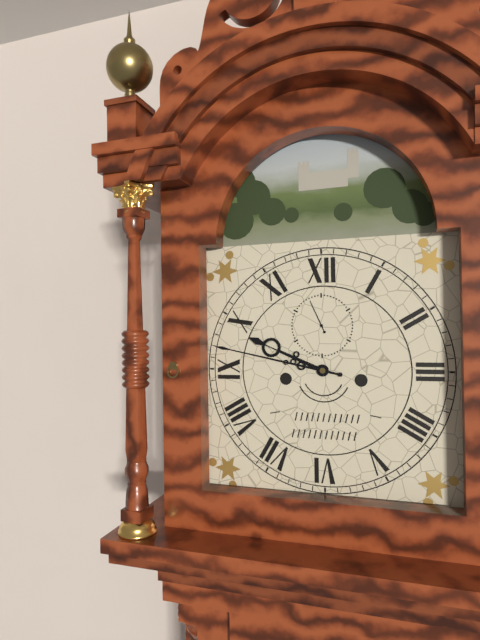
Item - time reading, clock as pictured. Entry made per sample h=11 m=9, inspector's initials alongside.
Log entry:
h=9 m=47
